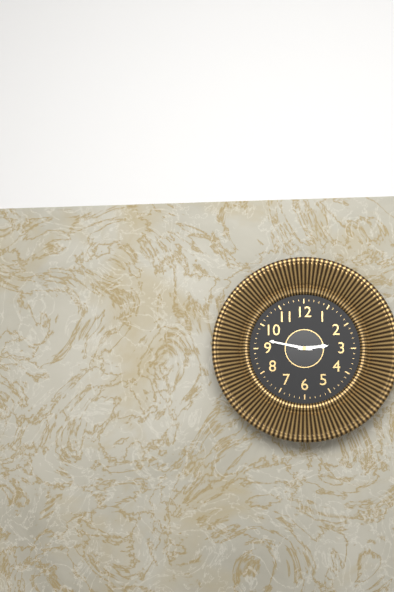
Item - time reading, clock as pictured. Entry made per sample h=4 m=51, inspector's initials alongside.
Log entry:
h=2 m=47
